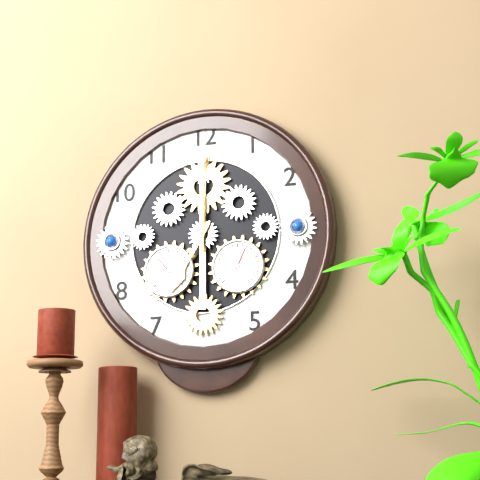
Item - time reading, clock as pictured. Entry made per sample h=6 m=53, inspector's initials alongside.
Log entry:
h=7 m=0
